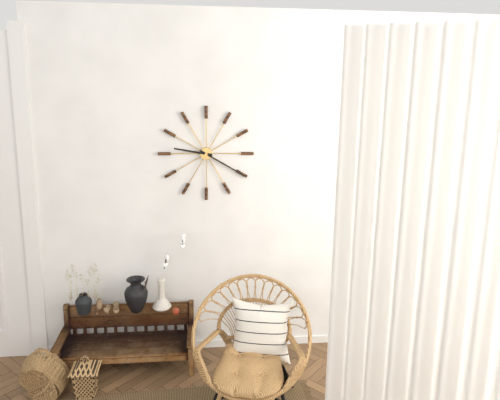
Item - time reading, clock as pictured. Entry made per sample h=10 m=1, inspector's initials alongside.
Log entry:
h=9 m=20
